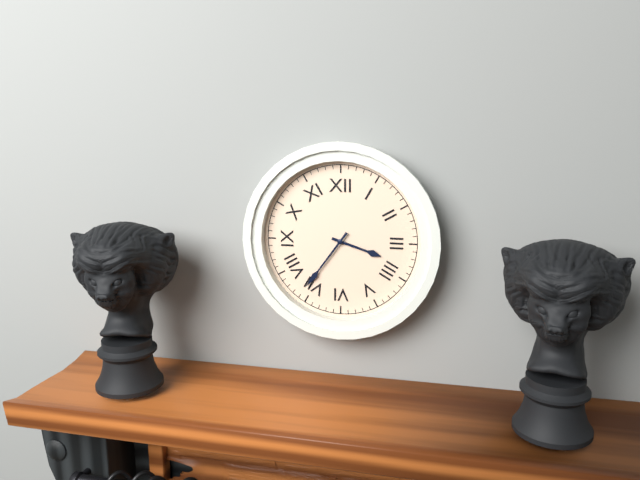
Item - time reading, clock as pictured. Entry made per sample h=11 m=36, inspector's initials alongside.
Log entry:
h=3 m=36
